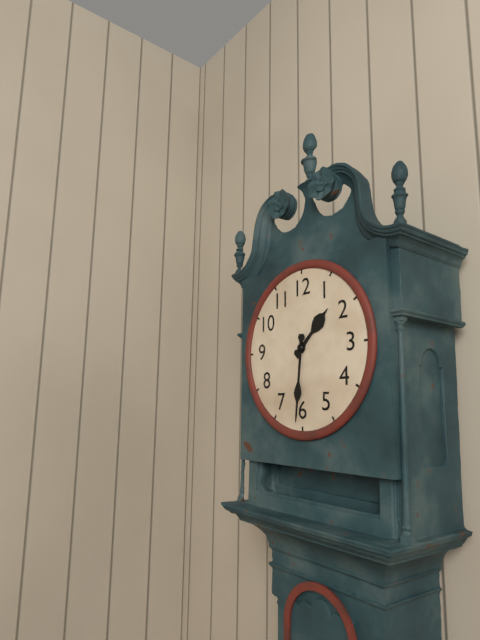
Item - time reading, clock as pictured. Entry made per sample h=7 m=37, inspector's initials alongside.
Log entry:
h=1 m=31
